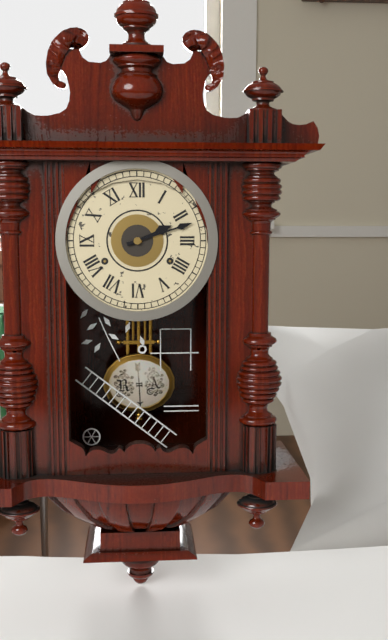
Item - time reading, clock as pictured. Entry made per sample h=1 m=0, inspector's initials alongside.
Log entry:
h=2 m=12
